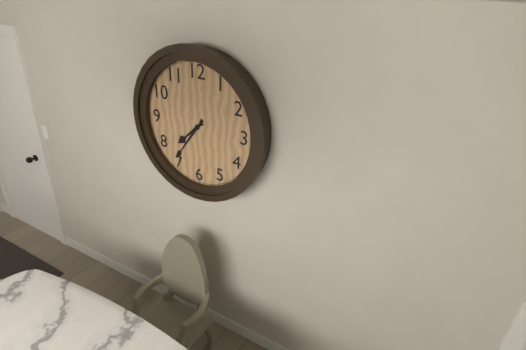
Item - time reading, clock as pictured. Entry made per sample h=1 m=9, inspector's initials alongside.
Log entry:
h=7 m=36
